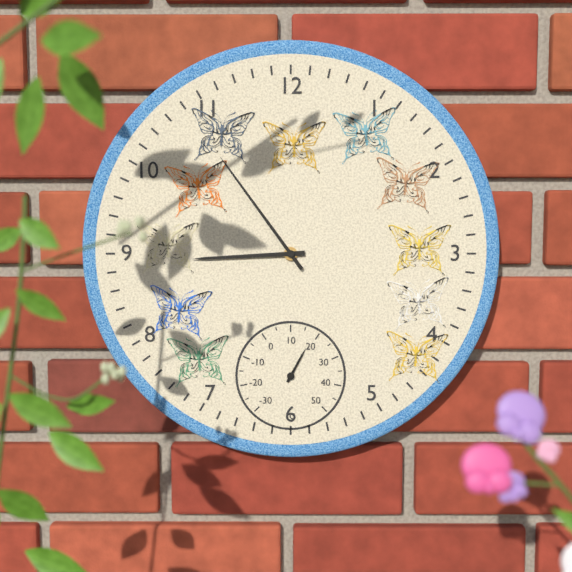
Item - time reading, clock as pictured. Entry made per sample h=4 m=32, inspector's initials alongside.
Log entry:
h=8 m=54
